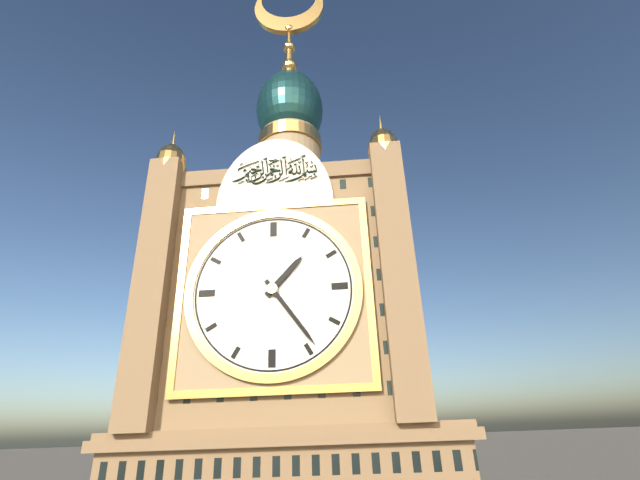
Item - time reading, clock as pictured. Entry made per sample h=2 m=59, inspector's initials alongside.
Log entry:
h=1 m=24
